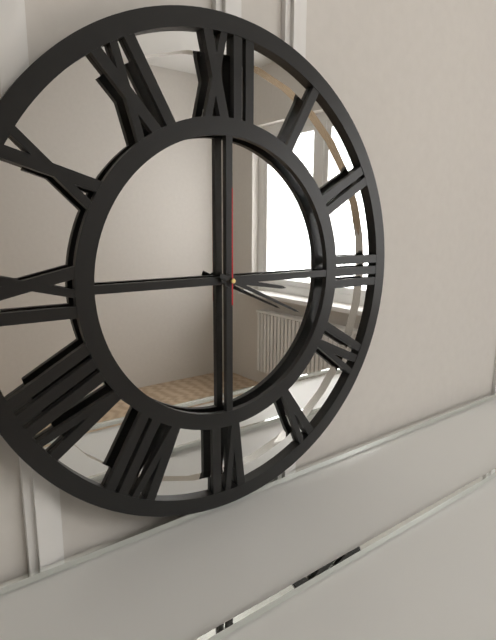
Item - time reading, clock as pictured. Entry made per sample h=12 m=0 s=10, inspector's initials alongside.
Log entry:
h=3 m=19 s=0
